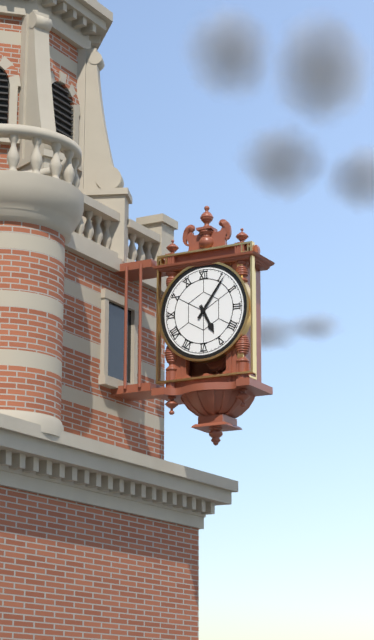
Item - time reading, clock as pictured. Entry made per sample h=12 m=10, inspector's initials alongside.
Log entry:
h=5 m=6
